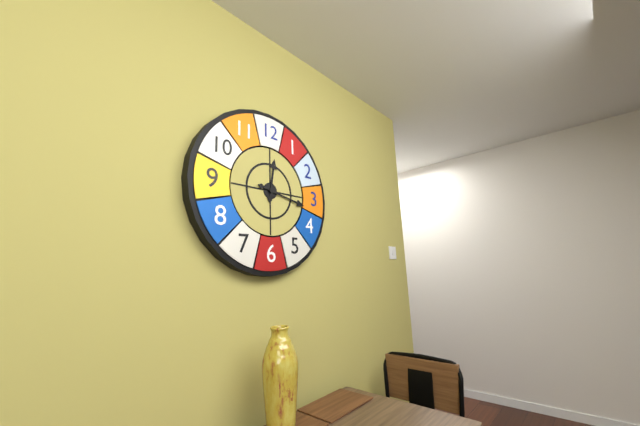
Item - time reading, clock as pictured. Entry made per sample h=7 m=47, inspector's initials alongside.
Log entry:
h=12 m=17
